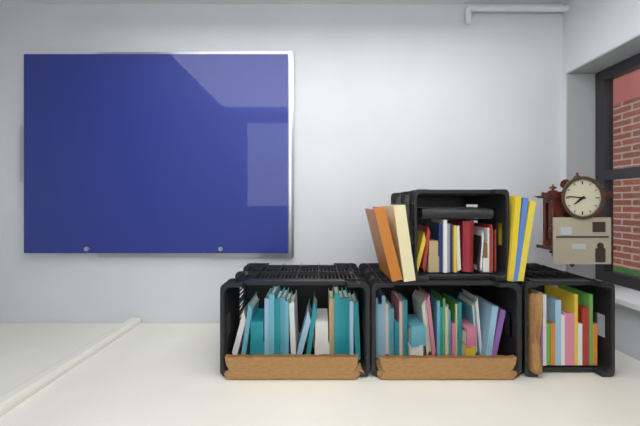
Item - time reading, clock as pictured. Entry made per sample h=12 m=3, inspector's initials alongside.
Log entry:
h=7 m=46
